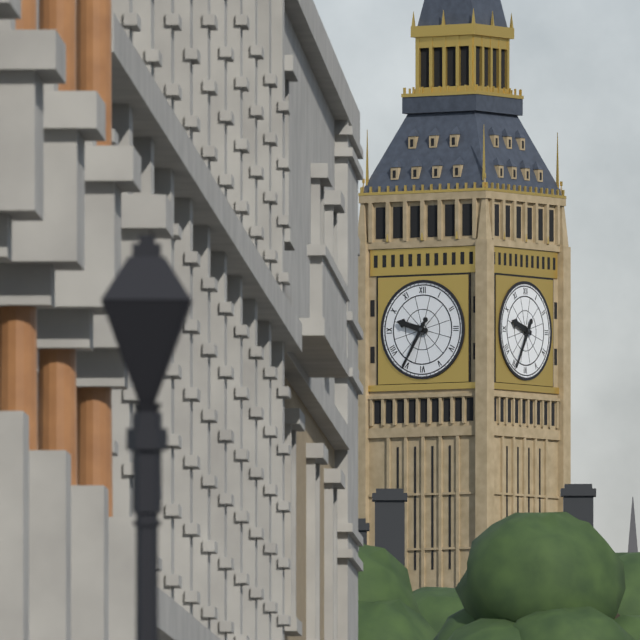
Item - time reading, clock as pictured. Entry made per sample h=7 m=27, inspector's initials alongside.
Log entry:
h=9 m=35
